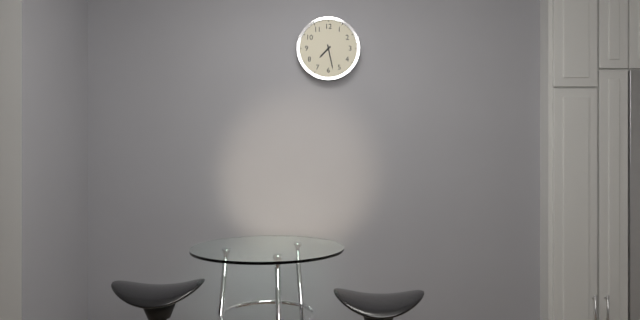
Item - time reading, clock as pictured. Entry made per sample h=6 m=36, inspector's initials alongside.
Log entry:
h=7 m=28
